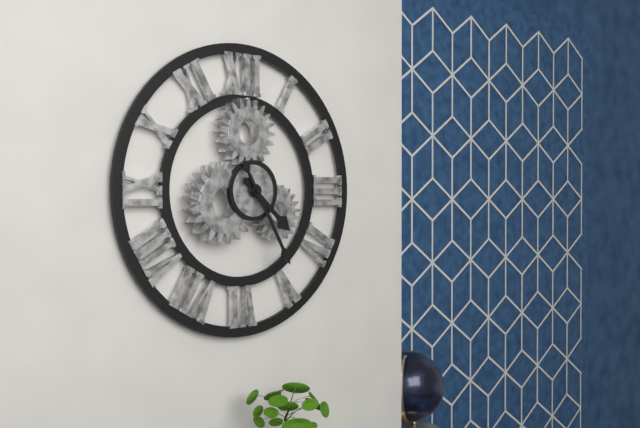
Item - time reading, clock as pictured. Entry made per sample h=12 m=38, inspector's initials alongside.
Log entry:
h=4 m=25
